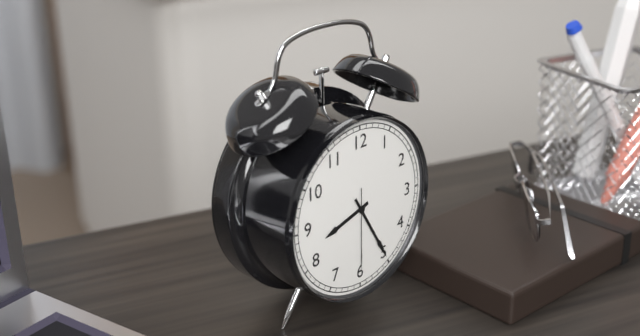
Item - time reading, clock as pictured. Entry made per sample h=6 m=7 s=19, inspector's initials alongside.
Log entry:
h=8 m=25 s=30
